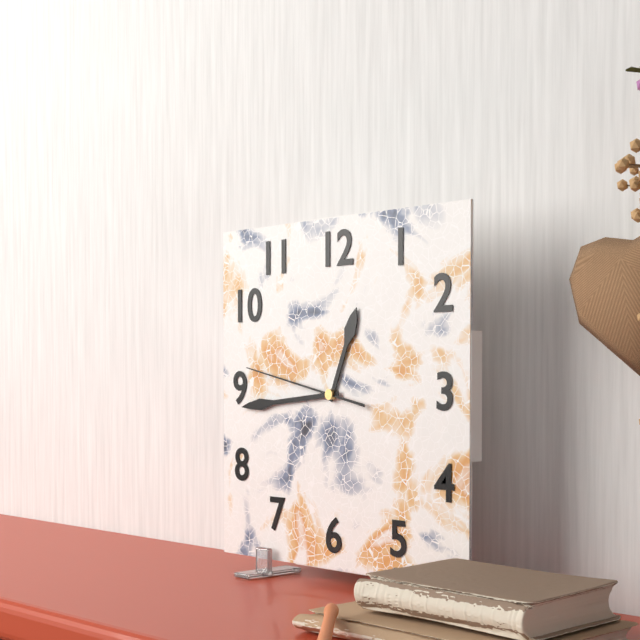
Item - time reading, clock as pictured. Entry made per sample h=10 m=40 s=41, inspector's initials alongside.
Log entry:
h=12 m=44 s=47
